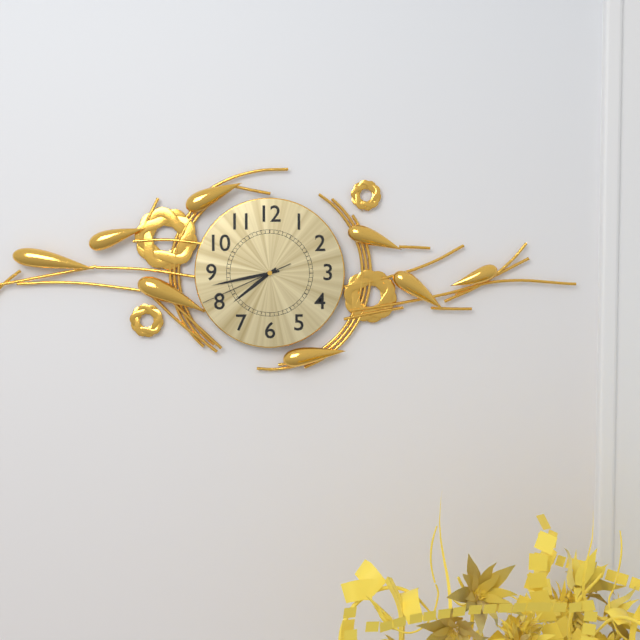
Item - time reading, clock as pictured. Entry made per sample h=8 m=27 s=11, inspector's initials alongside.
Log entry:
h=7 m=43 s=41
